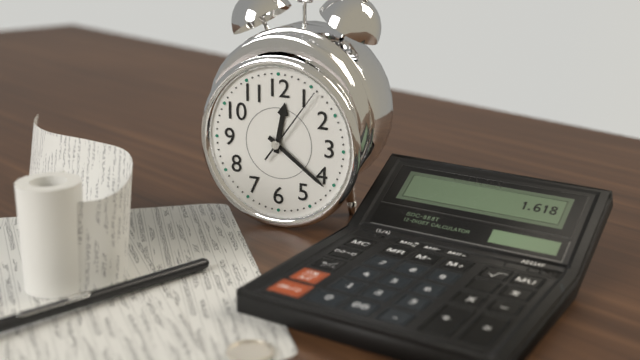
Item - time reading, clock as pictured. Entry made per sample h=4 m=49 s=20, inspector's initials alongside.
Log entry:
h=12 m=21 s=6
